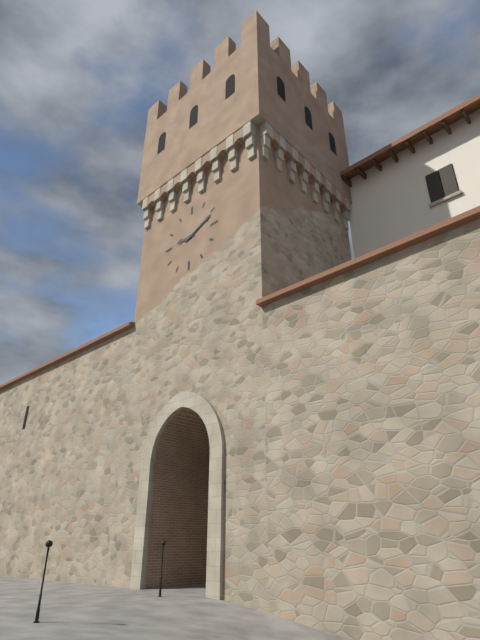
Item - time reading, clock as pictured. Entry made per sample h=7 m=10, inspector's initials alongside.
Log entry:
h=9 m=11
